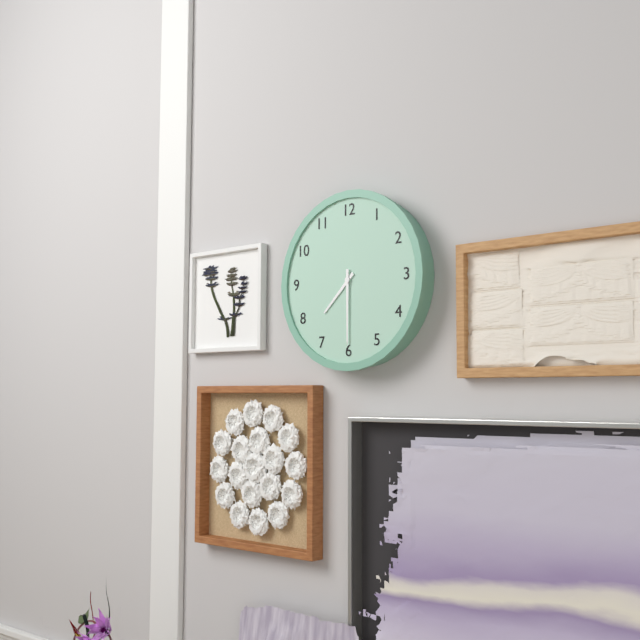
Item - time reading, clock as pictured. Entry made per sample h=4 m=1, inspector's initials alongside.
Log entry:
h=7 m=30
